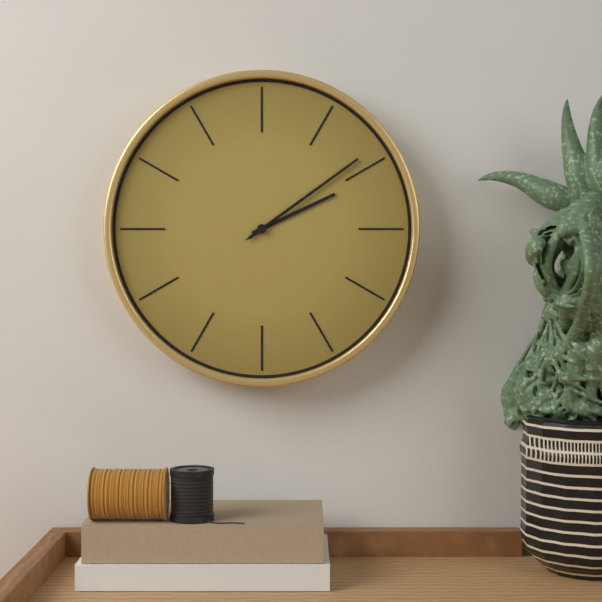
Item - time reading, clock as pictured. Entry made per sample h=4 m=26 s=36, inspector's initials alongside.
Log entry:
h=2 m=9 s=9
